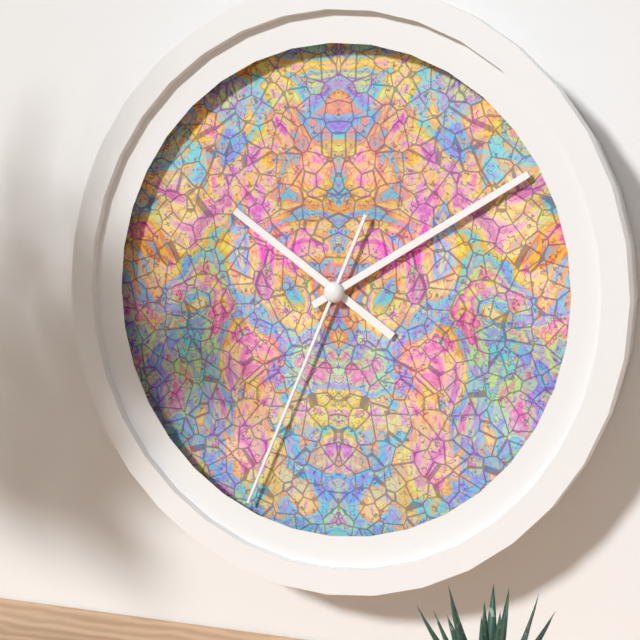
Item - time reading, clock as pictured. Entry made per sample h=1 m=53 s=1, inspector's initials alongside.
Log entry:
h=10 m=10 s=34
